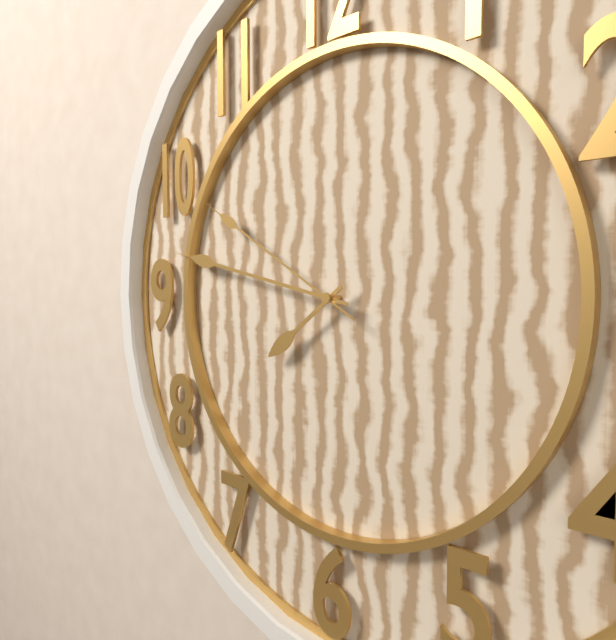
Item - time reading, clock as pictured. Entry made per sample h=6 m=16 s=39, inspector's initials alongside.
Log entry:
h=7 m=47 s=50
